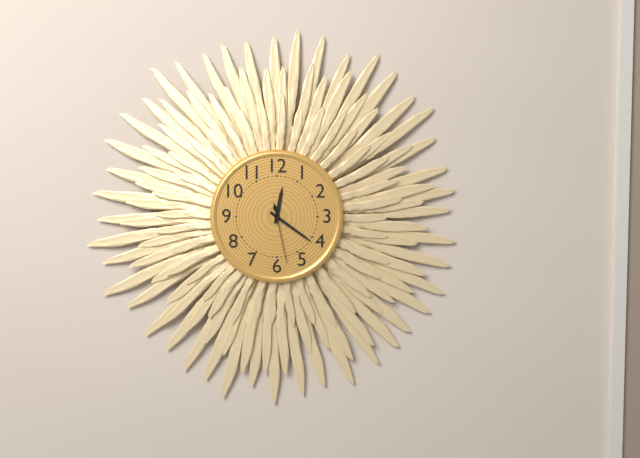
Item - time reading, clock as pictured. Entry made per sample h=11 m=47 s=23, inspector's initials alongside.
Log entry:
h=12 m=21 s=28
